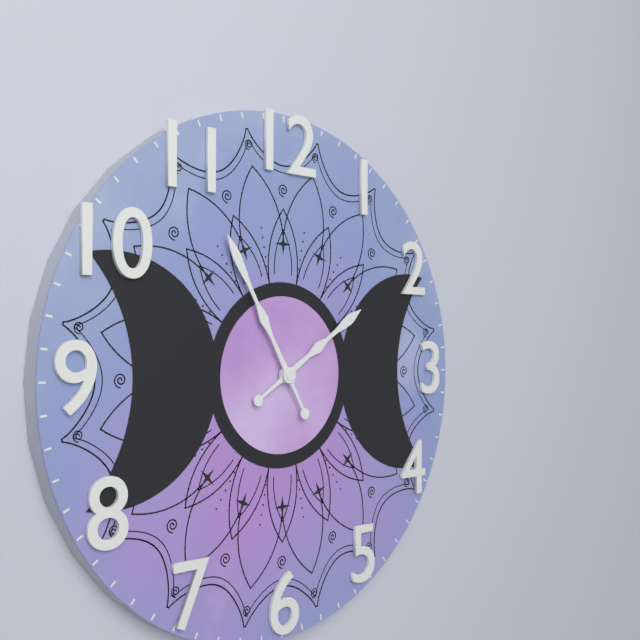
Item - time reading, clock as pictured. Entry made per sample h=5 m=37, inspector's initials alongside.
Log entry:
h=1 m=55
